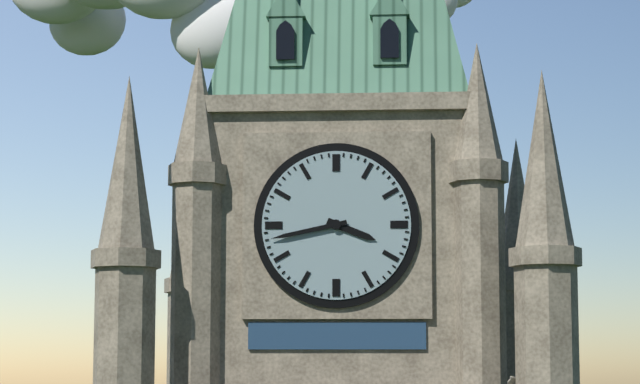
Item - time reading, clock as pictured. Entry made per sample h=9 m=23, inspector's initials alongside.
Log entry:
h=3 m=43
